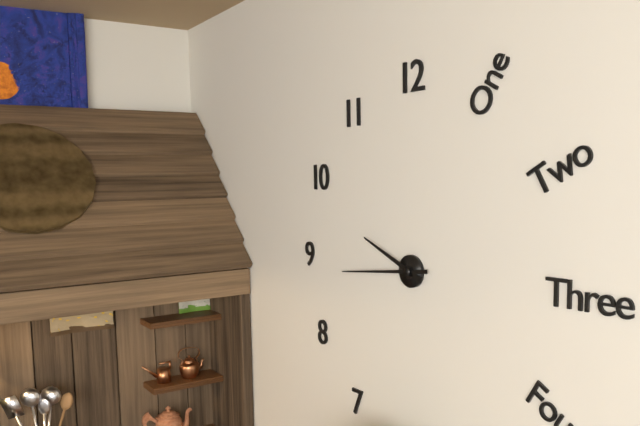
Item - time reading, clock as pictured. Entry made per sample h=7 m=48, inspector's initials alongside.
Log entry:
h=9 m=44
